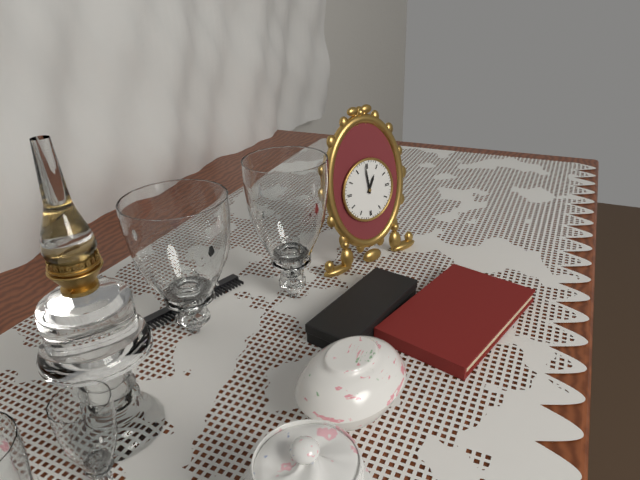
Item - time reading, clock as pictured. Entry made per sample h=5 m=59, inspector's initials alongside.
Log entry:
h=12 m=59
